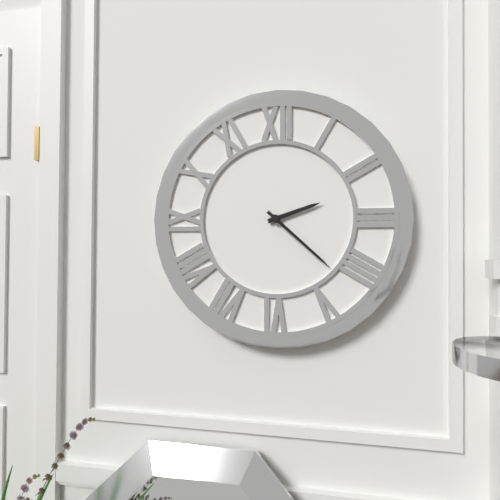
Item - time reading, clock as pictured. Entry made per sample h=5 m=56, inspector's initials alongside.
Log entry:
h=2 m=22
